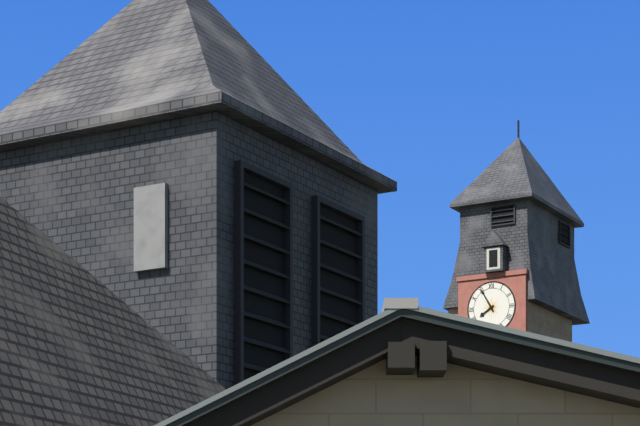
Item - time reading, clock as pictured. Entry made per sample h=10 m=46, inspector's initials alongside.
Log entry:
h=7 m=55
